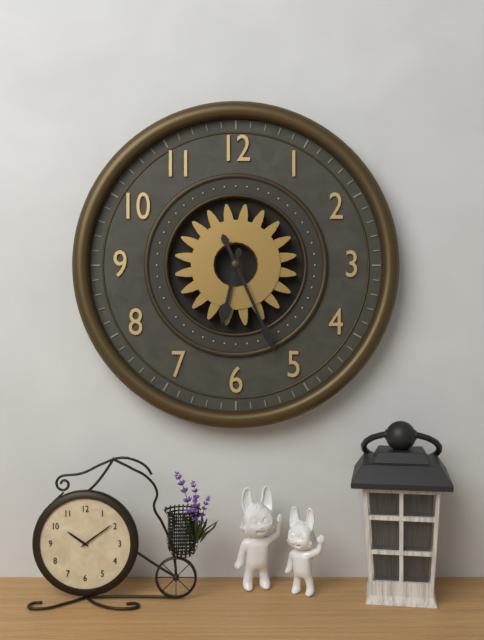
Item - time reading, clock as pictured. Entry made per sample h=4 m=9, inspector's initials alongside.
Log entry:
h=6 m=26
